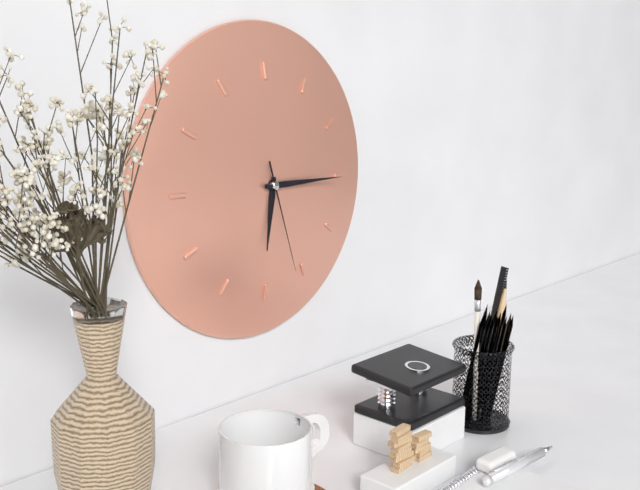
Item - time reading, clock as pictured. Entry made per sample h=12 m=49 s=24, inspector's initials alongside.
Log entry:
h=6 m=15 s=27
